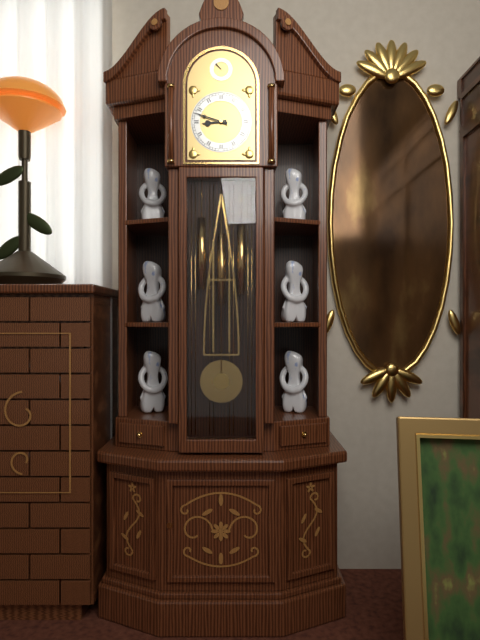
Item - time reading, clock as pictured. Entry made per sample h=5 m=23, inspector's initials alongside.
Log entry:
h=8 m=48
